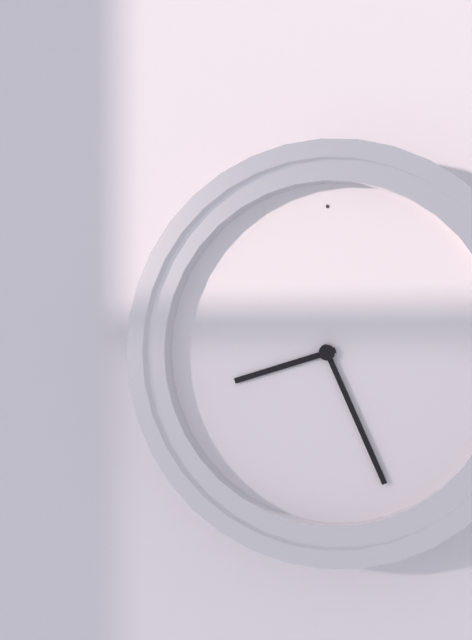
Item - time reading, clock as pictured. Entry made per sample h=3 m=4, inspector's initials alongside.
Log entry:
h=8 m=26
